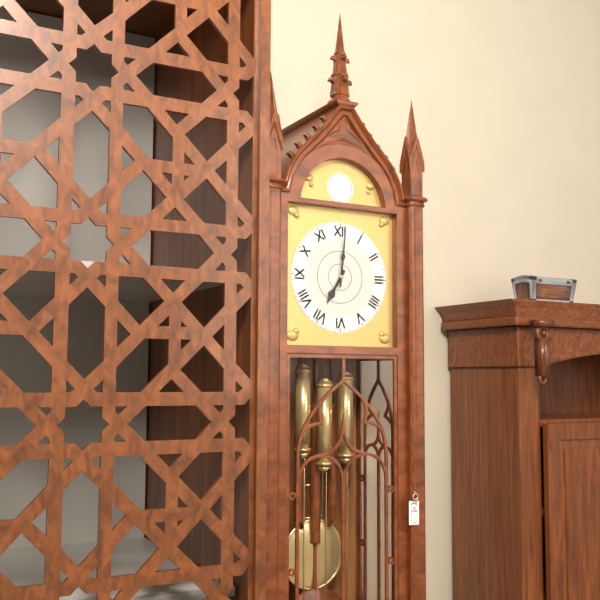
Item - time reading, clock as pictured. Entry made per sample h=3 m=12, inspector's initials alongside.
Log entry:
h=7 m=1
